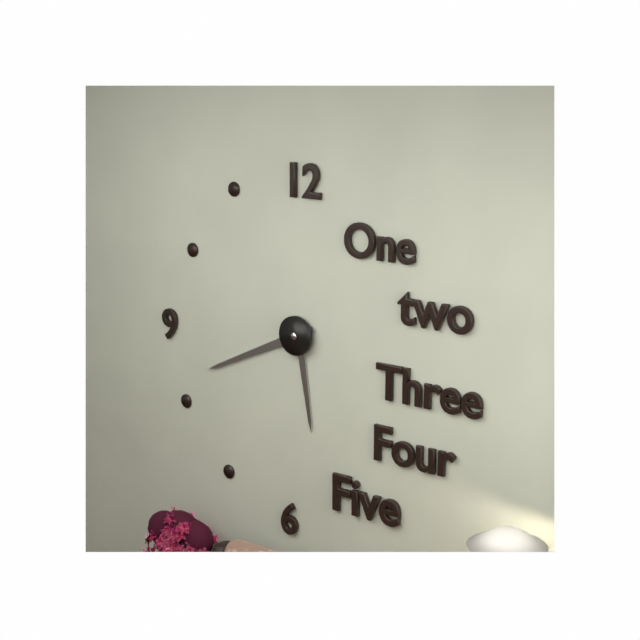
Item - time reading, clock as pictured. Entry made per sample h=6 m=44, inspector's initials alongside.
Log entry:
h=5 m=41
